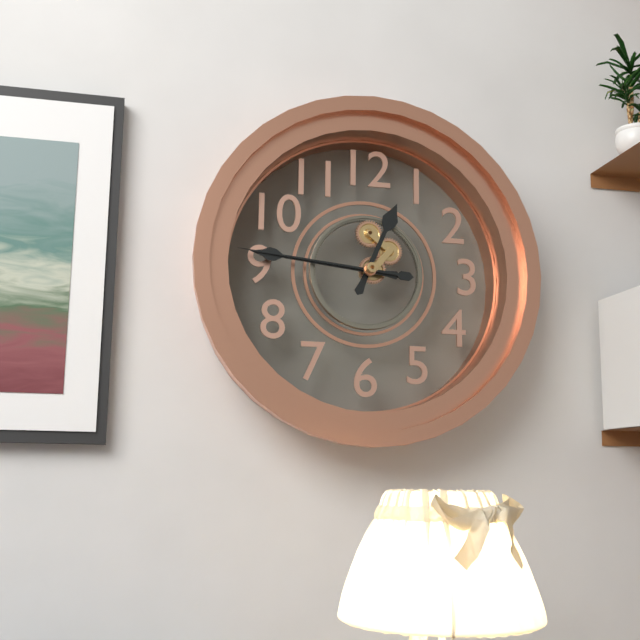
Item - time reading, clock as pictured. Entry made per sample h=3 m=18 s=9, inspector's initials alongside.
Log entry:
h=12 m=46 s=46
